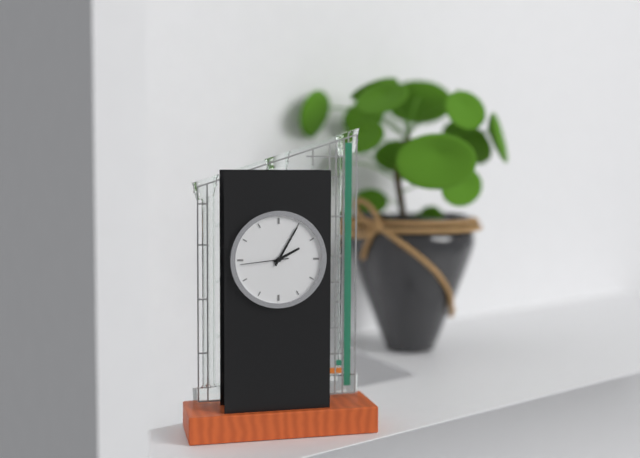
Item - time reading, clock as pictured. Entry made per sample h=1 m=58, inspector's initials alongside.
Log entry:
h=2 m=5
